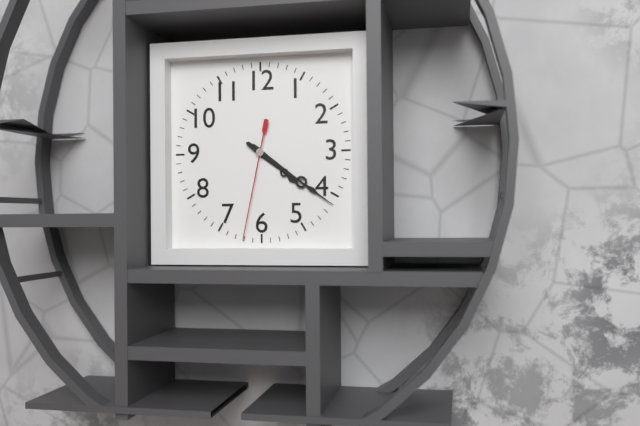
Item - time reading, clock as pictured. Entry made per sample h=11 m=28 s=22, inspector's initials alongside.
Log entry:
h=4 m=21 s=32
